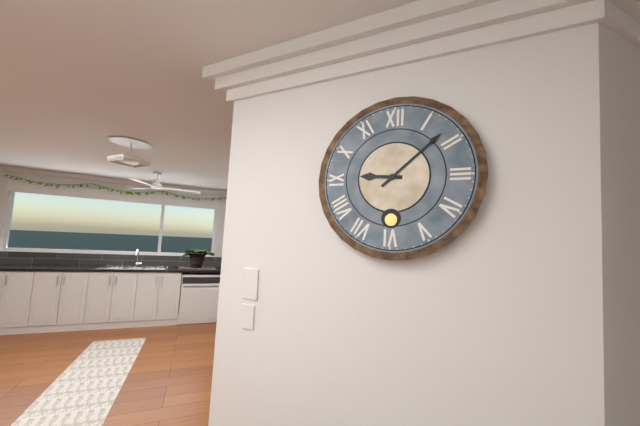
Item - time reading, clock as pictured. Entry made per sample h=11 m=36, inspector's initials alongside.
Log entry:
h=9 m=8
